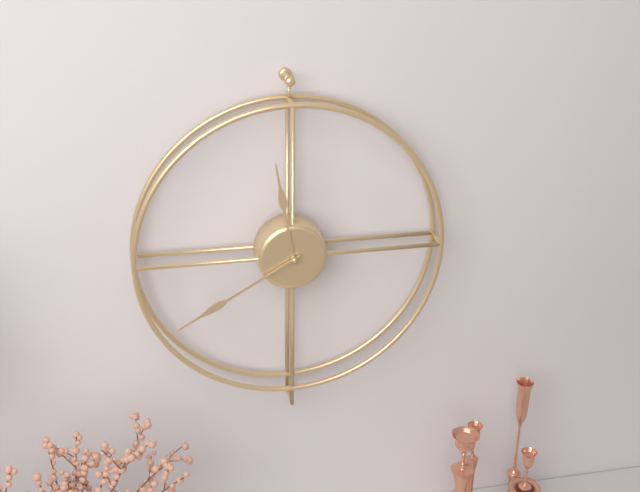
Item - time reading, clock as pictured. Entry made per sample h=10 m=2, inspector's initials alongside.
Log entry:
h=11 m=40
